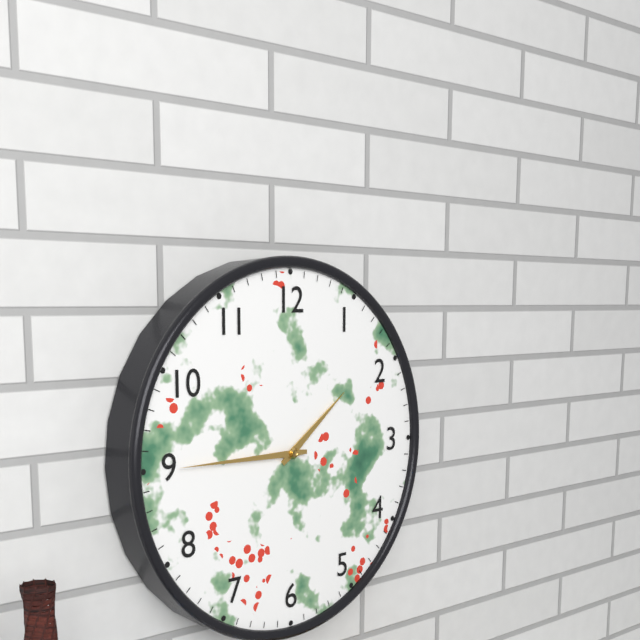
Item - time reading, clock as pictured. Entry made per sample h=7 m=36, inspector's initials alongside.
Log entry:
h=1 m=45
